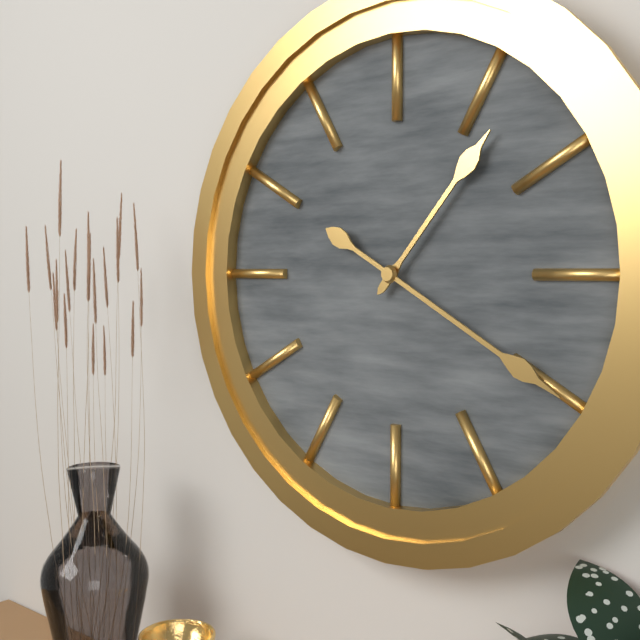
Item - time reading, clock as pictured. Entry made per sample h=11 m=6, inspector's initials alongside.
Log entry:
h=1 m=20
